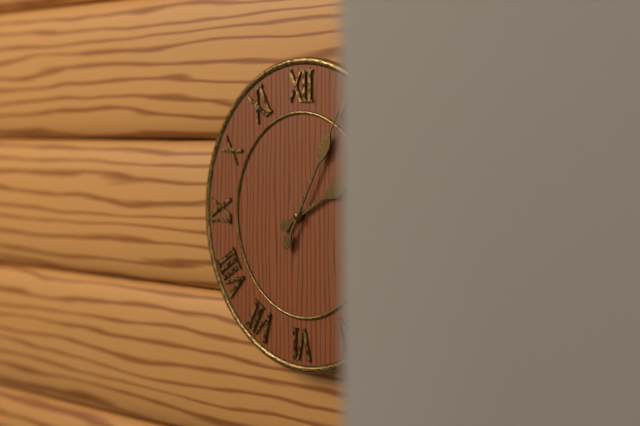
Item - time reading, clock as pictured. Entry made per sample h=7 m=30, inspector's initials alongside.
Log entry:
h=2 m=5
